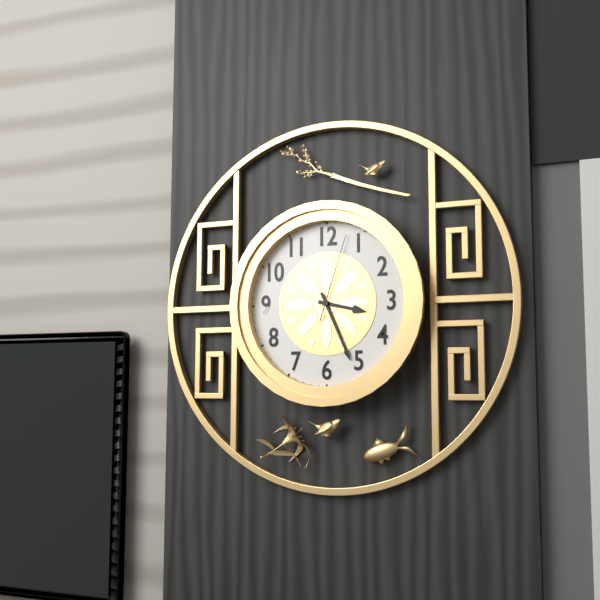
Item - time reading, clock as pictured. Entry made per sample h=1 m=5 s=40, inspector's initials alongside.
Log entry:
h=3 m=26 s=3
